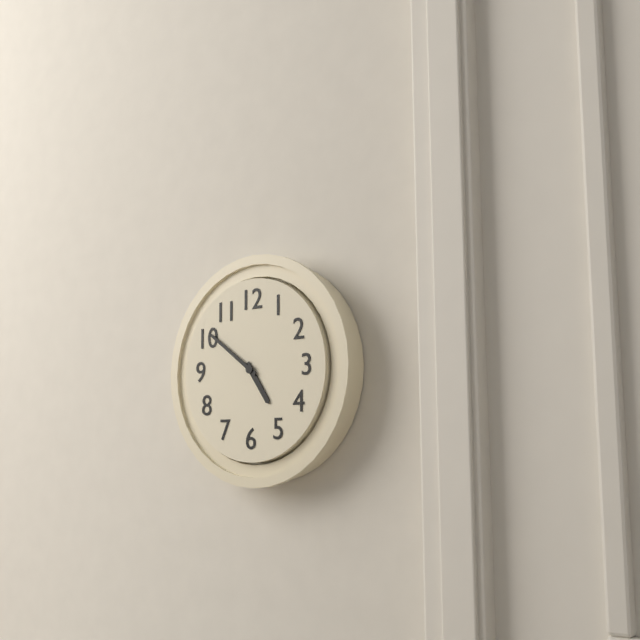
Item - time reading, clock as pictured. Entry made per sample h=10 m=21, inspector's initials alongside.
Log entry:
h=4 m=51
